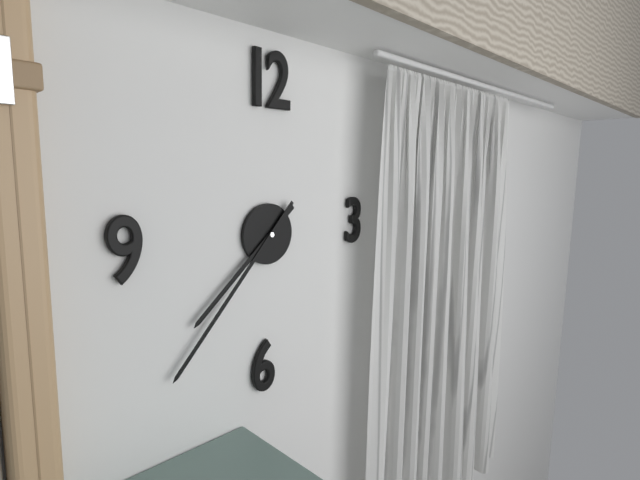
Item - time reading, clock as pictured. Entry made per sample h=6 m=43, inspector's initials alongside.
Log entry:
h=7 m=37
